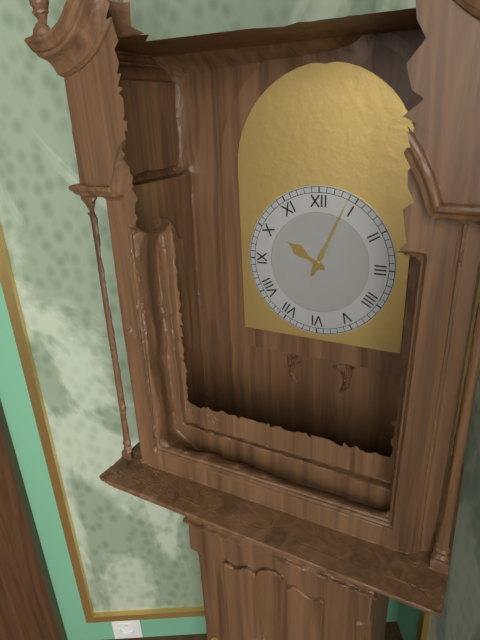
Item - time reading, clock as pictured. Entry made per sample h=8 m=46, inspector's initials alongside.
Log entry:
h=10 m=4
